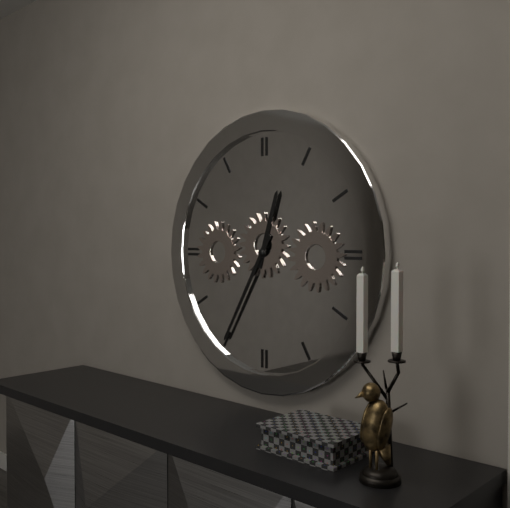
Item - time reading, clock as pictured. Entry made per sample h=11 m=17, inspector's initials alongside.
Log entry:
h=12 m=35
